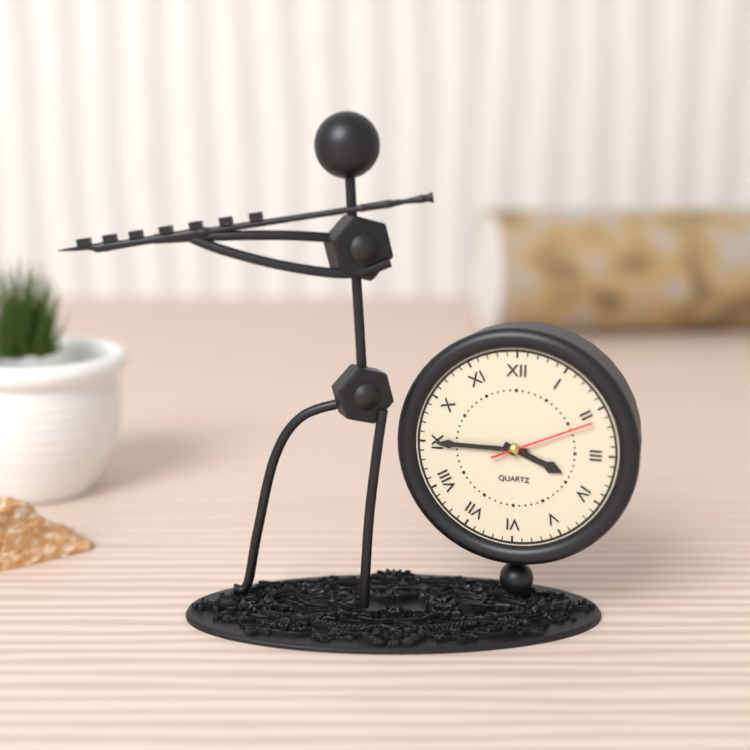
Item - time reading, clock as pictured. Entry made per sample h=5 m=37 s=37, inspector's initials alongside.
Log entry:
h=3 m=45 s=11
